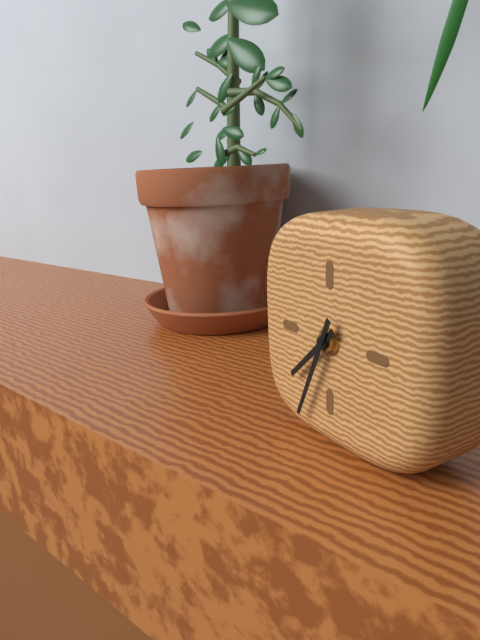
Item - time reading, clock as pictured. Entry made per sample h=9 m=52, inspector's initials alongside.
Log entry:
h=7 m=34
